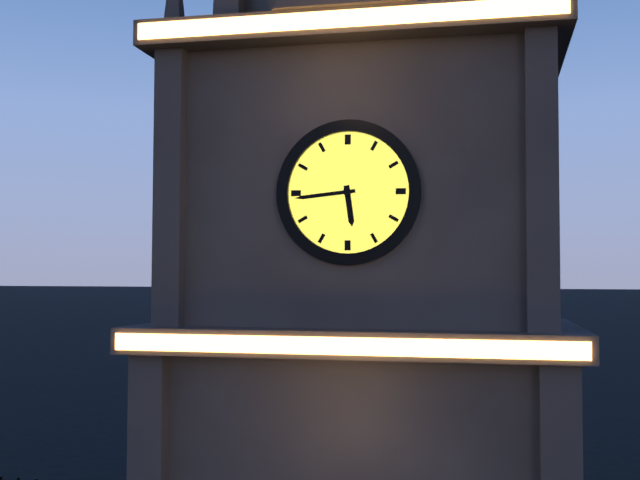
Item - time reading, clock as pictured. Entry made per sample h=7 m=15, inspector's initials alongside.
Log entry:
h=5 m=44
